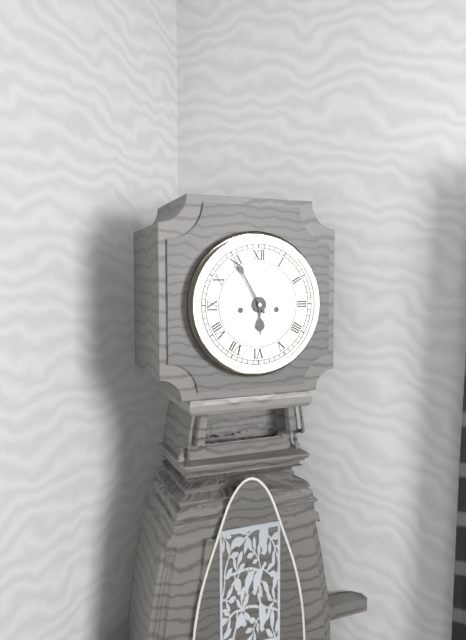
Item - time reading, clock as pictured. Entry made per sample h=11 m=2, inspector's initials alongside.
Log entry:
h=5 m=55
